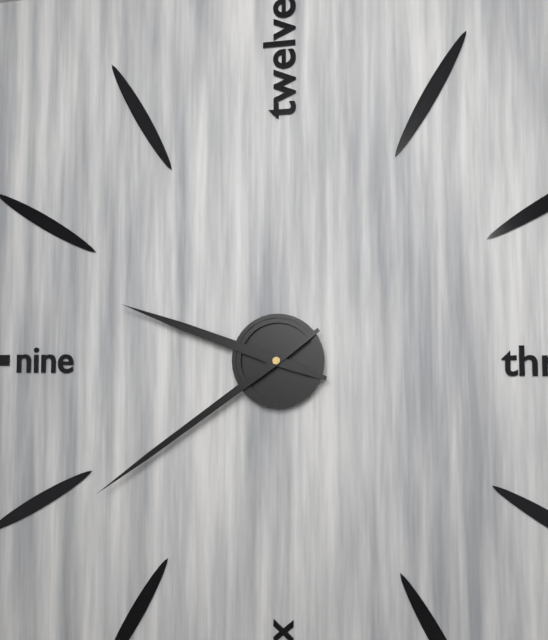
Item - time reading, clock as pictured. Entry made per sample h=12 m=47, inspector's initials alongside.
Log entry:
h=9 m=39
